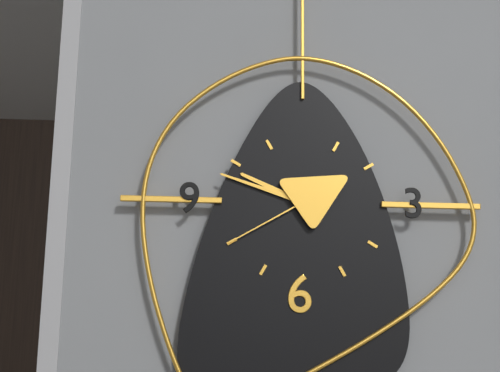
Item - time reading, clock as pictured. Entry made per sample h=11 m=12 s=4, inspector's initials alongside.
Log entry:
h=9 m=48 s=40
